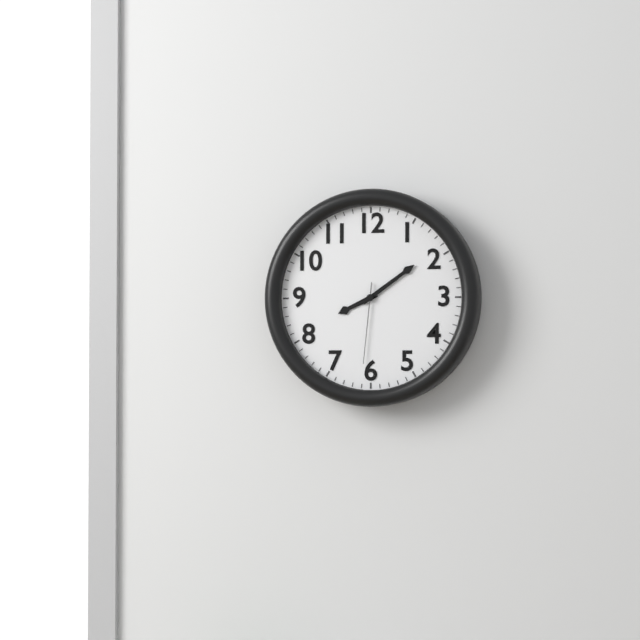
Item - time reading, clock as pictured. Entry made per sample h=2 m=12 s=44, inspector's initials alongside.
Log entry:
h=8 m=9 s=31
